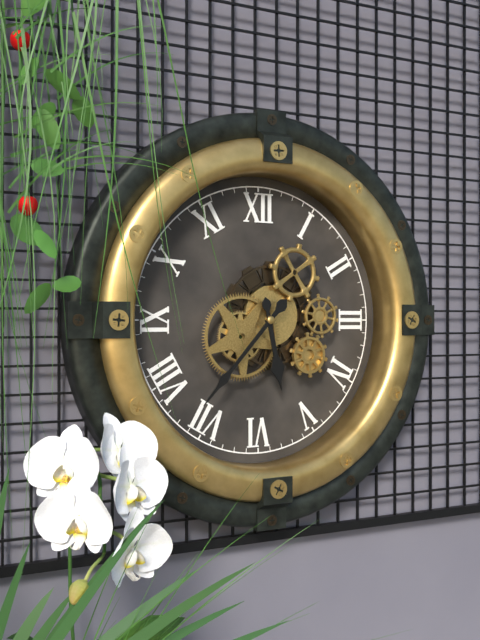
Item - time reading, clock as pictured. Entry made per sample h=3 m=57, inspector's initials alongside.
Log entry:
h=5 m=37
